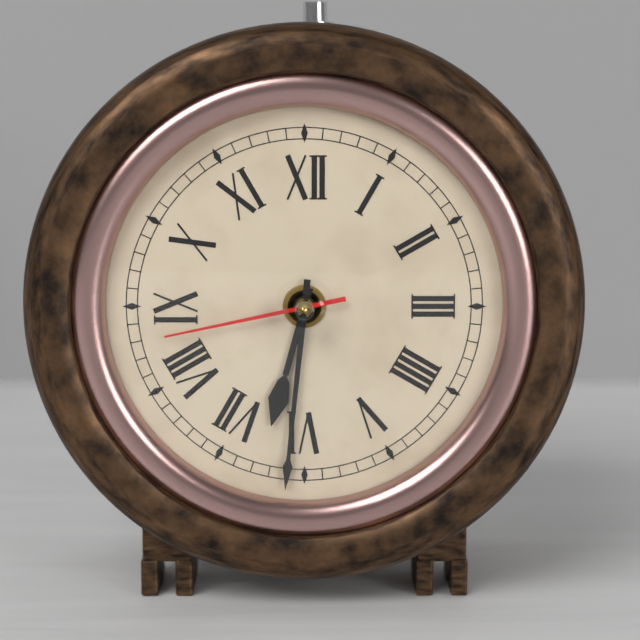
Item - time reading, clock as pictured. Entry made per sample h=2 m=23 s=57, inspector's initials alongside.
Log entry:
h=6 m=31 s=43
